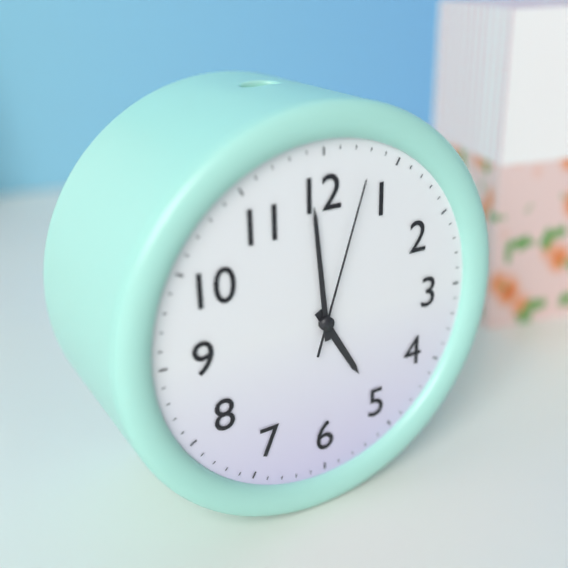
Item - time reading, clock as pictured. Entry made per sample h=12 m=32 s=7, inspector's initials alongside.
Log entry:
h=4 m=59 s=3
